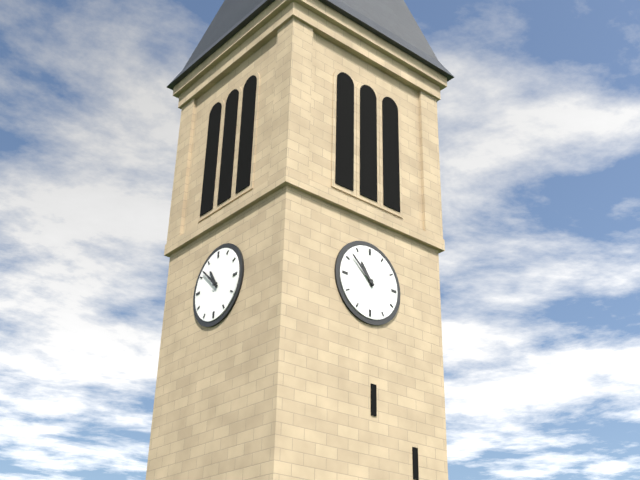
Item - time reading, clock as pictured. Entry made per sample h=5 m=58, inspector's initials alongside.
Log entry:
h=10 m=52
